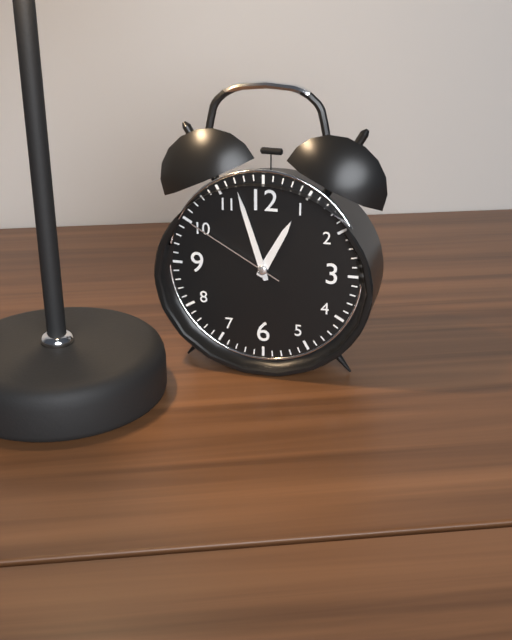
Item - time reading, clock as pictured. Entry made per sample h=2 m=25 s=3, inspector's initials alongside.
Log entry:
h=12 m=57 s=50
